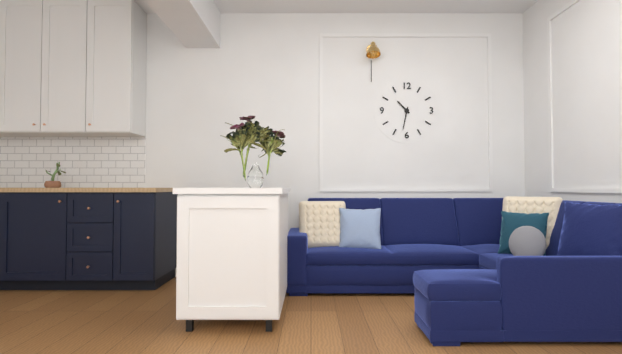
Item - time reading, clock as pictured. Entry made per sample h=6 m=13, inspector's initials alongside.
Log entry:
h=10 m=32
